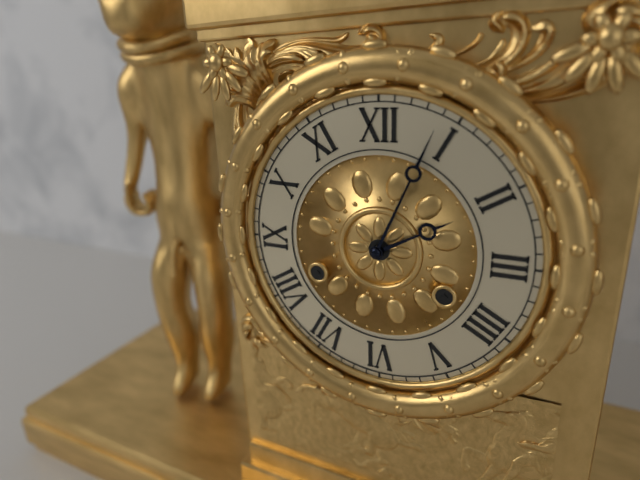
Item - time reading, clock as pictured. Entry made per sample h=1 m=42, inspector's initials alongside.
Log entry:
h=2 m=4
